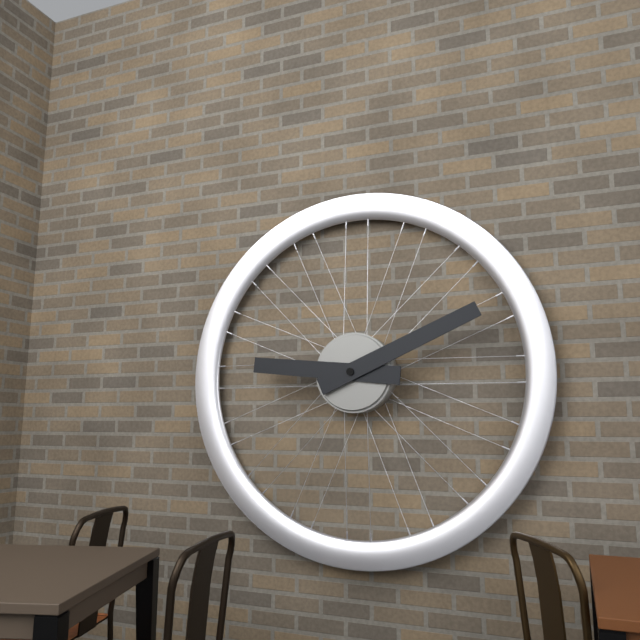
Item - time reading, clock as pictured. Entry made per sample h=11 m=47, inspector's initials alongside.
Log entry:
h=9 m=11
